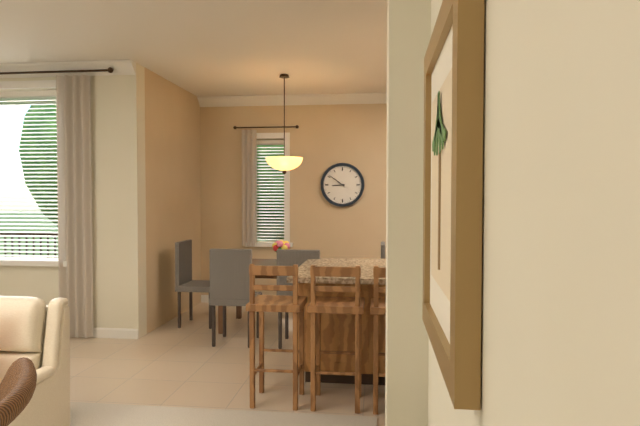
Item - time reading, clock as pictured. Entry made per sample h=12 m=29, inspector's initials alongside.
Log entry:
h=8 m=51
